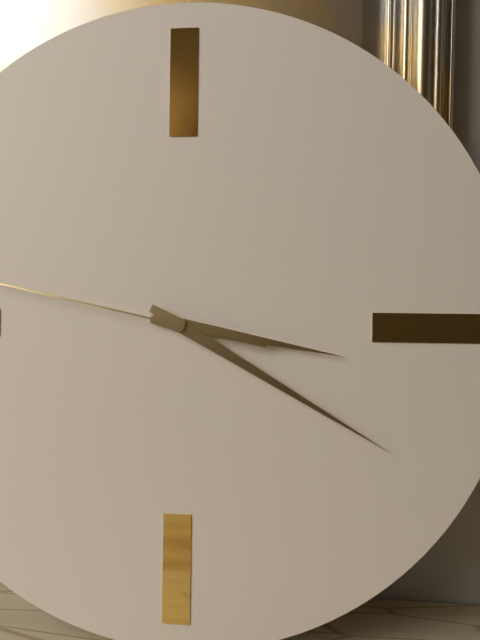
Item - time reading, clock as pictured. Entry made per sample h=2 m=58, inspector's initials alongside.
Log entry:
h=3 m=20
